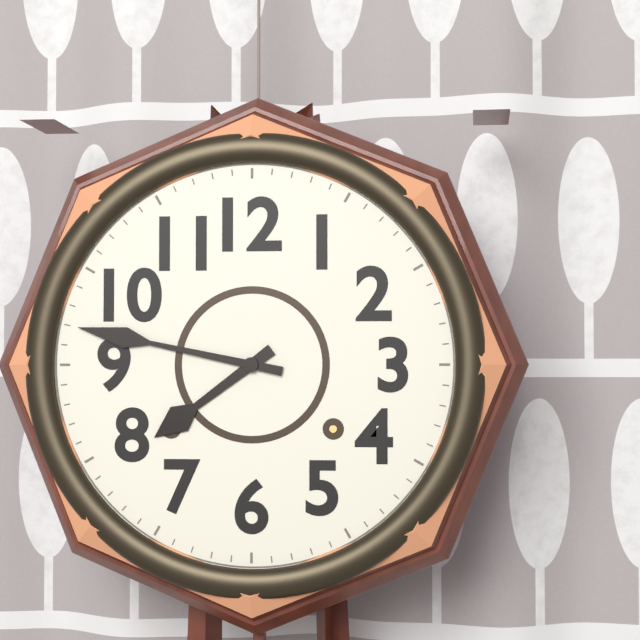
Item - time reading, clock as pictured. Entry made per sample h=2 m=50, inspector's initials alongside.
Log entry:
h=7 m=47
